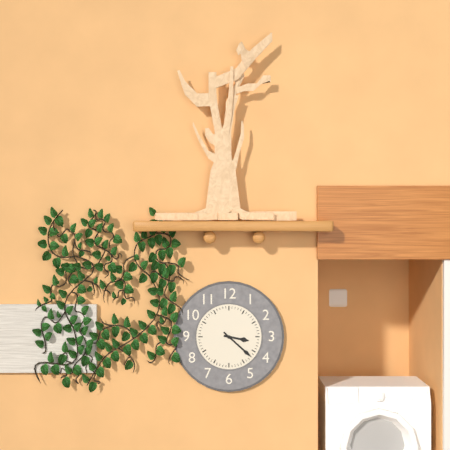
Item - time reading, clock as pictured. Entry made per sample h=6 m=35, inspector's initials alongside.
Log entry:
h=3 m=22
